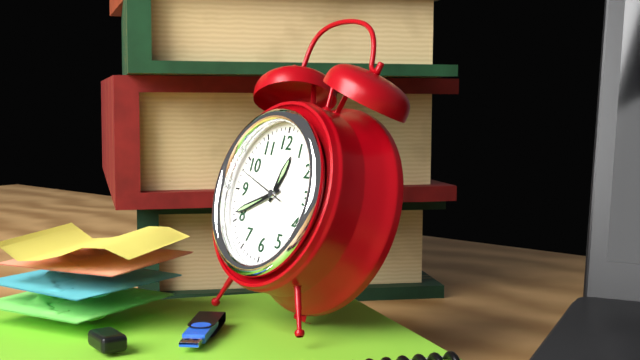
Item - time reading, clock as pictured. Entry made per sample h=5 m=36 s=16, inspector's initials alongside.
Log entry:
h=12 m=41 s=48
